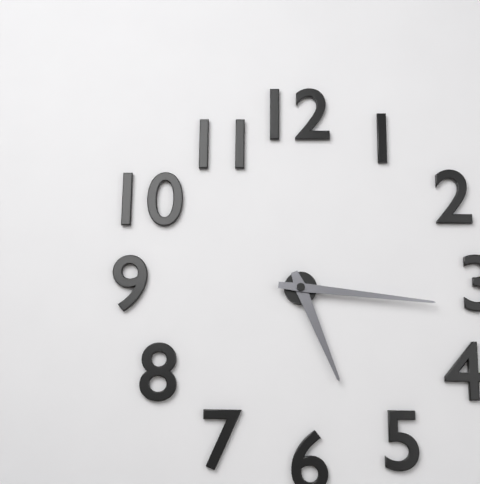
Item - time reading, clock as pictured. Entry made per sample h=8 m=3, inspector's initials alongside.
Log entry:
h=5 m=16
